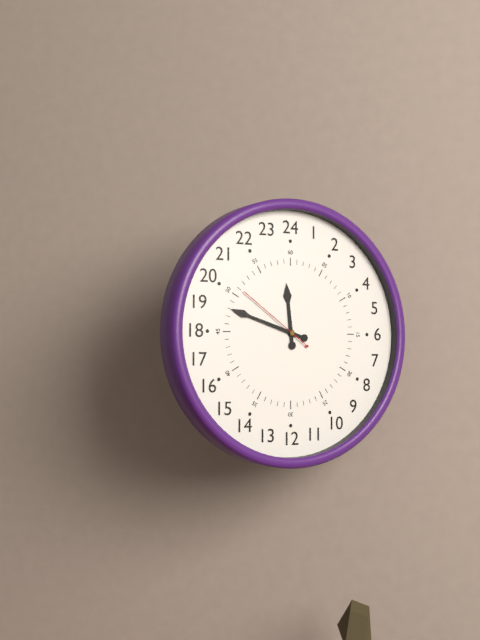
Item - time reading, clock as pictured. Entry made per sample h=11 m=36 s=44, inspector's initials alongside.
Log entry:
h=11 m=48 s=51
